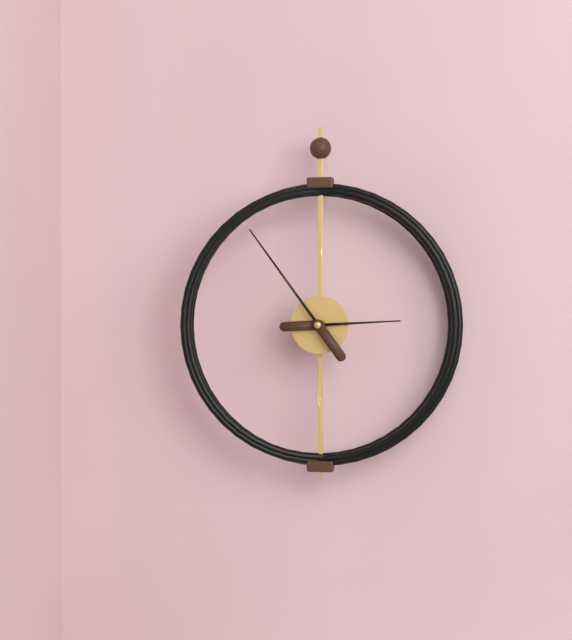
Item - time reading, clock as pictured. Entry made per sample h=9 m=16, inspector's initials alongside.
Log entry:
h=2 m=54
